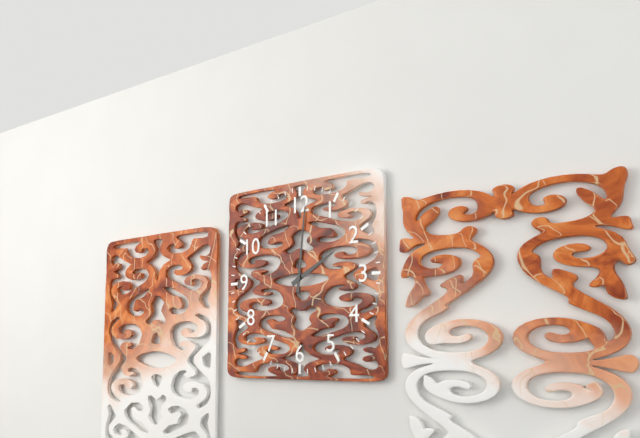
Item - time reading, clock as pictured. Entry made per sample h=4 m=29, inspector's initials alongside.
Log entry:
h=2 m=1
